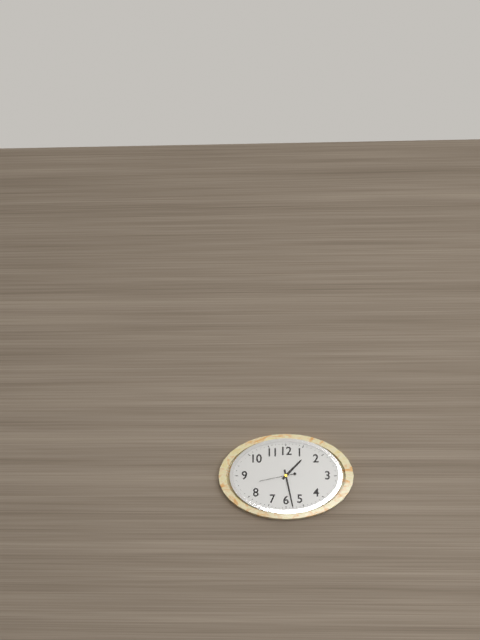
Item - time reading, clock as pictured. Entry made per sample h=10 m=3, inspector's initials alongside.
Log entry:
h=1 m=28
